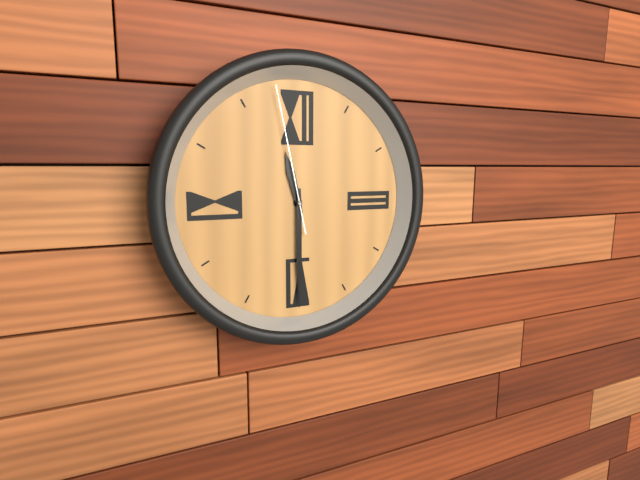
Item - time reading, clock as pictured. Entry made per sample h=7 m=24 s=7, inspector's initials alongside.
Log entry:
h=11 m=30 s=58
